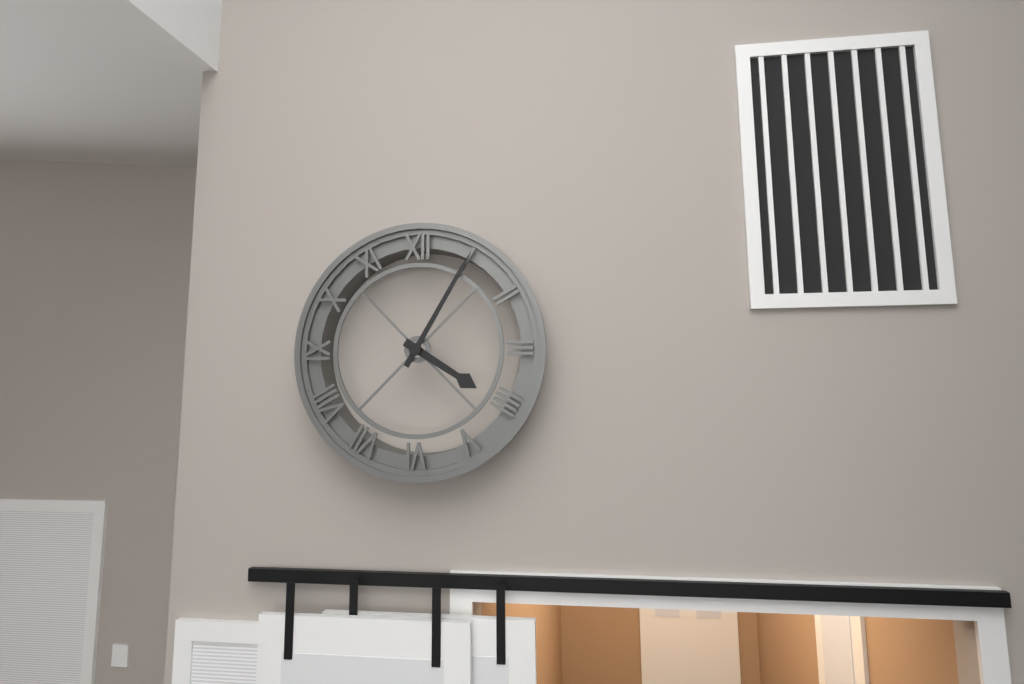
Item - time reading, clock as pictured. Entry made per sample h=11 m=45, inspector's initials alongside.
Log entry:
h=4 m=5
